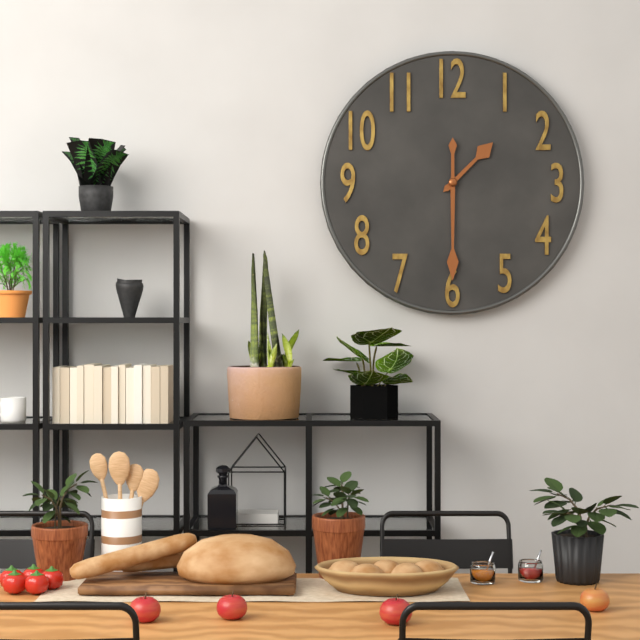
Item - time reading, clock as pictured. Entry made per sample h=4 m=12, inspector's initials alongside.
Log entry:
h=1 m=30
